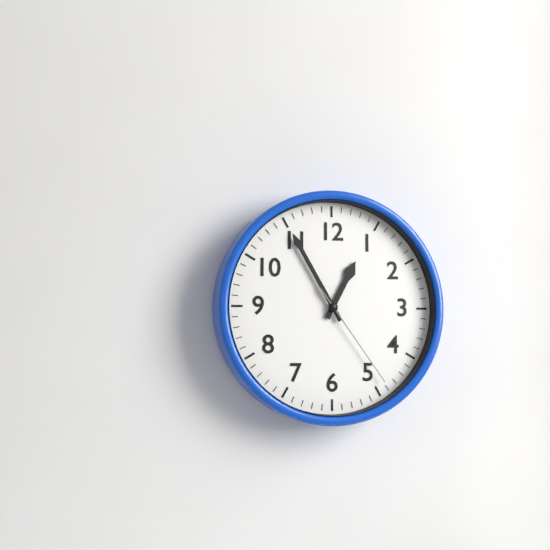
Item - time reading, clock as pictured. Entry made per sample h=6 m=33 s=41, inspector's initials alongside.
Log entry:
h=12 m=55 s=24
